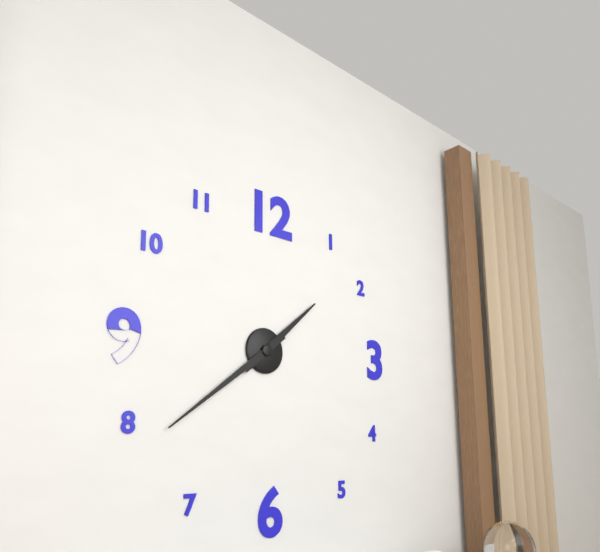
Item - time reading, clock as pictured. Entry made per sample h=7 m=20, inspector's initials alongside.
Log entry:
h=1 m=39
